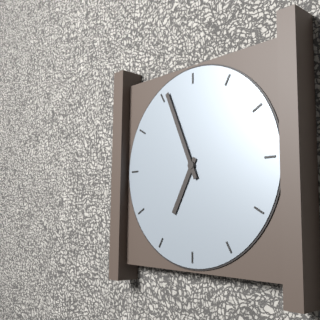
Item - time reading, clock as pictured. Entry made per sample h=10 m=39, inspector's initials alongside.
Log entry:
h=6 m=56
